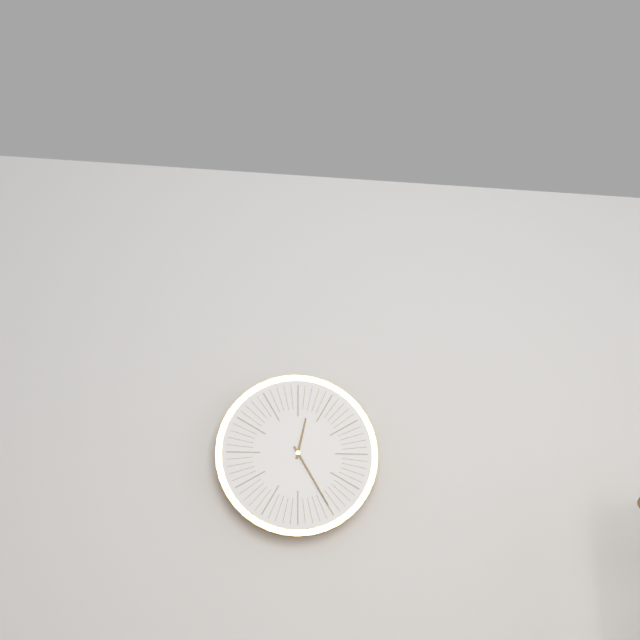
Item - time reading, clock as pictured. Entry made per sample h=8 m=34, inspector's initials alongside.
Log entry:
h=12 m=25
